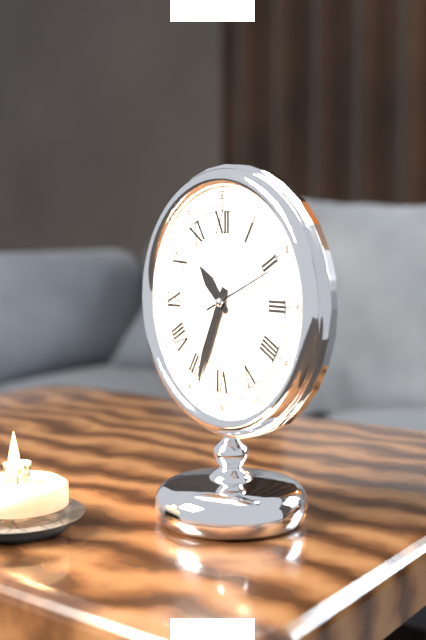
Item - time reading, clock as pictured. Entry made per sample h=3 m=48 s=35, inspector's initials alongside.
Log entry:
h=10 m=34 s=11
